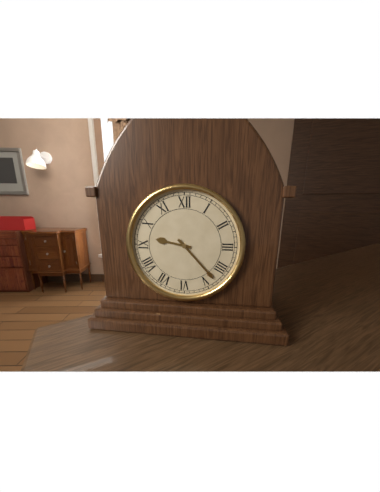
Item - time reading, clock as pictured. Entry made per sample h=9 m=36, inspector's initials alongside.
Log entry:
h=9 m=23
